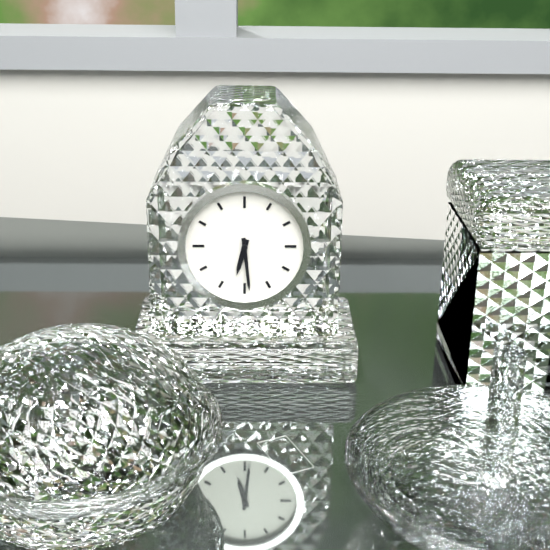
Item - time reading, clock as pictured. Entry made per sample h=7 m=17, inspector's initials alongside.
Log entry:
h=6 m=29
